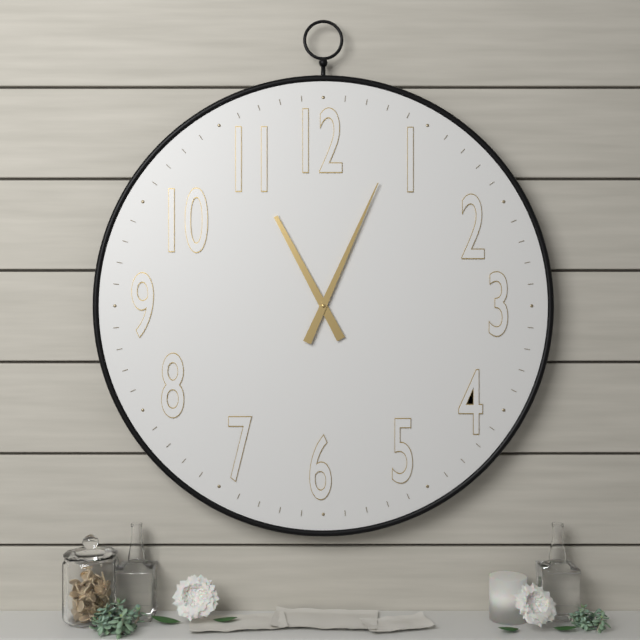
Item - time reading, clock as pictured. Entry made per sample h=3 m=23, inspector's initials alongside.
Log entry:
h=11 m=4
